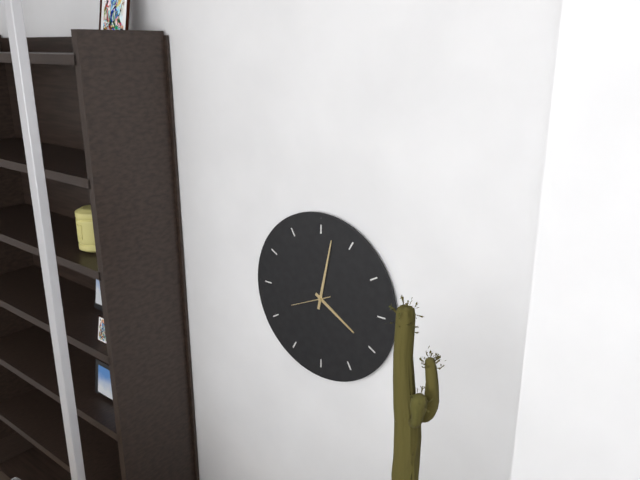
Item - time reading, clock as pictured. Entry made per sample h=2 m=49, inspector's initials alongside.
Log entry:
h=4 m=2
